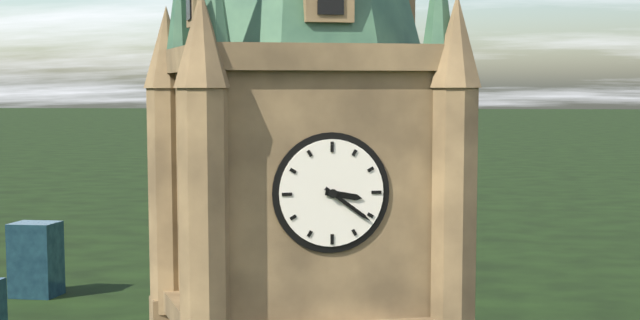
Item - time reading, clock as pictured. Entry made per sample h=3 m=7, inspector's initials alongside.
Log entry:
h=3 m=21
